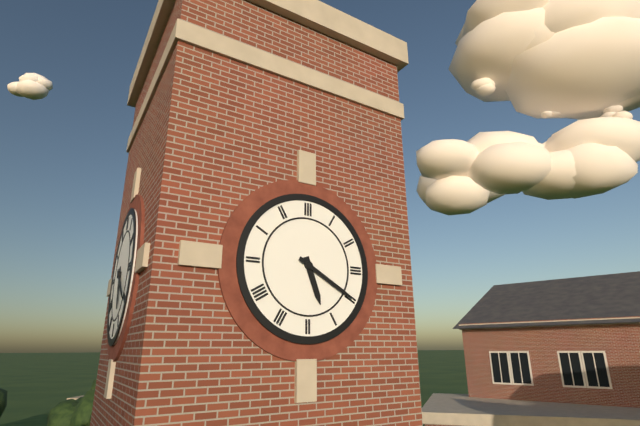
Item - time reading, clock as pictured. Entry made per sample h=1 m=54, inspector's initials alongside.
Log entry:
h=5 m=20
